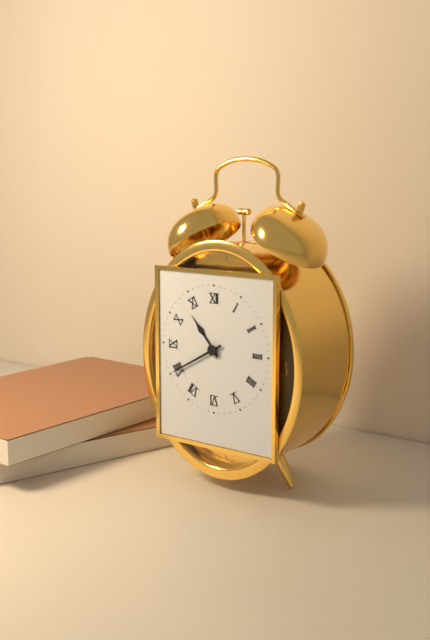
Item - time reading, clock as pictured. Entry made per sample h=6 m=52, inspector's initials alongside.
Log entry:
h=10 m=40
